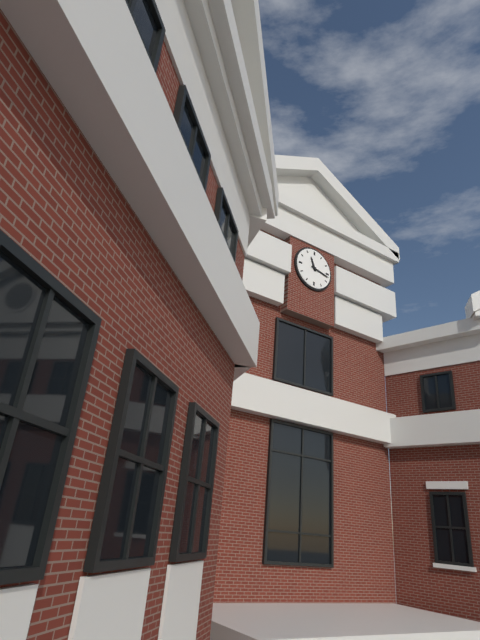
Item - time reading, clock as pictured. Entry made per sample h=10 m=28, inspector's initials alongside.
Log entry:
h=11 m=17
